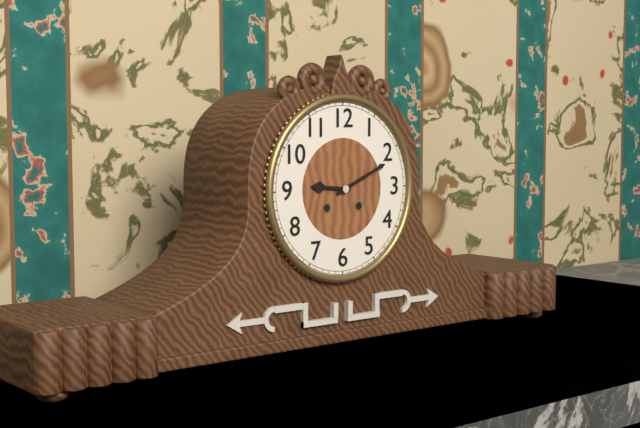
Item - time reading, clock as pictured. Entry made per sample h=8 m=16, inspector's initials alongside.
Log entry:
h=9 m=11
